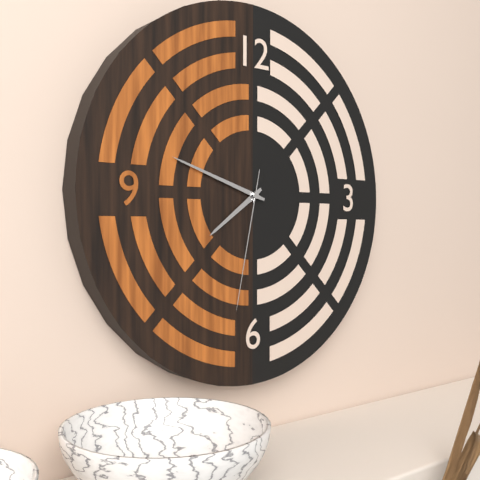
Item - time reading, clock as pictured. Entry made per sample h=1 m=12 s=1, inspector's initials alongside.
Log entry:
h=7 m=48 s=32
